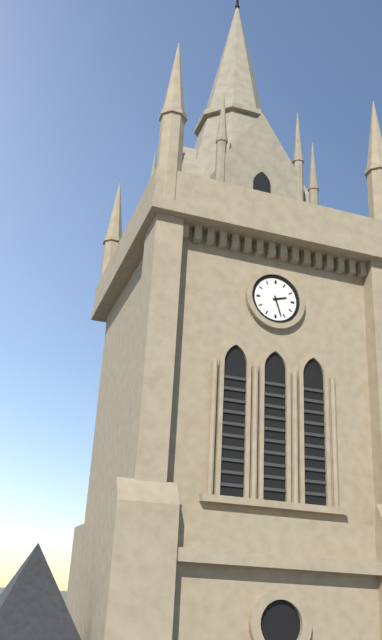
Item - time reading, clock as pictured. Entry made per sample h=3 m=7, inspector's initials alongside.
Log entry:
h=2 m=27
